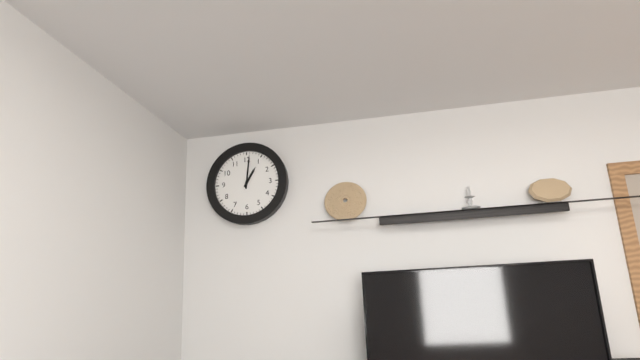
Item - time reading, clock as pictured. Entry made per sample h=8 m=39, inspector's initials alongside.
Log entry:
h=1 m=1
